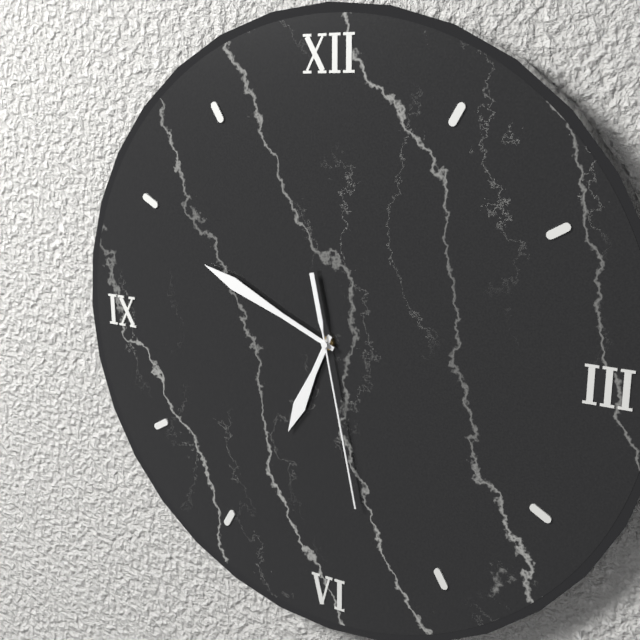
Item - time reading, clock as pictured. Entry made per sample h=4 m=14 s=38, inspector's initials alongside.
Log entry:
h=6 m=49 s=28
